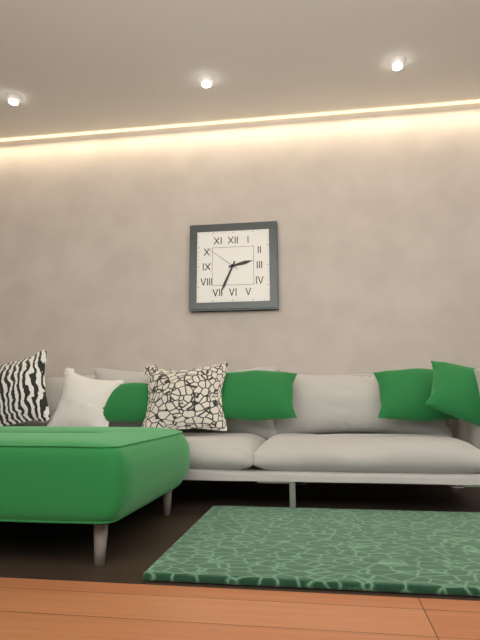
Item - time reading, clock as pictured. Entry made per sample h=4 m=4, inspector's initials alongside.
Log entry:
h=2 m=34
